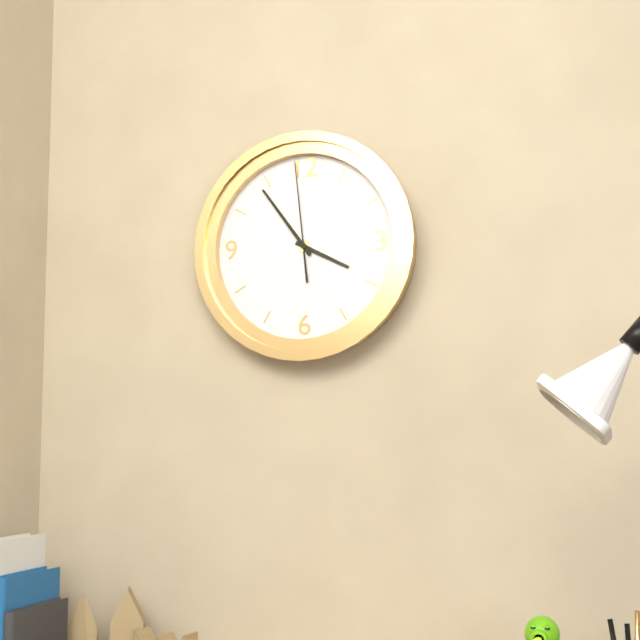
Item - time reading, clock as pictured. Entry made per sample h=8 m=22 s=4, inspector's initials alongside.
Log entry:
h=3 m=54 s=59
